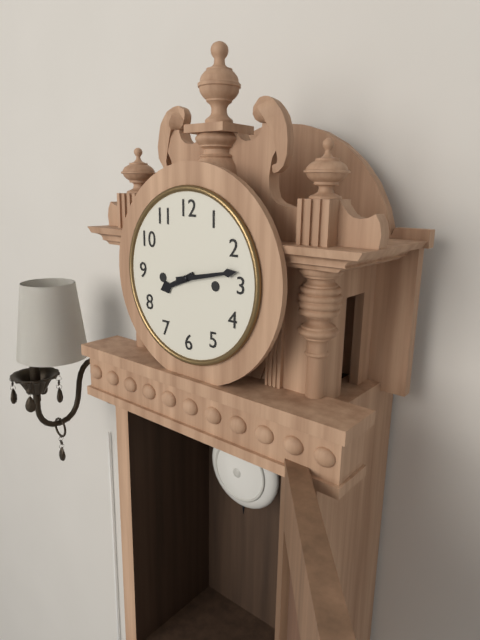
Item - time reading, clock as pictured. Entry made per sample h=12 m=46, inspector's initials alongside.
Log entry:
h=8 m=13
